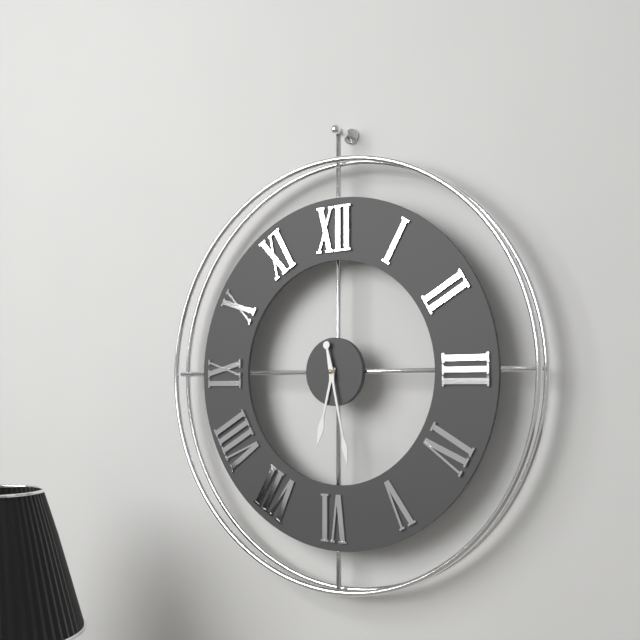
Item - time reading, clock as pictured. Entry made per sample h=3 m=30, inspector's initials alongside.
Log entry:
h=6 m=28
